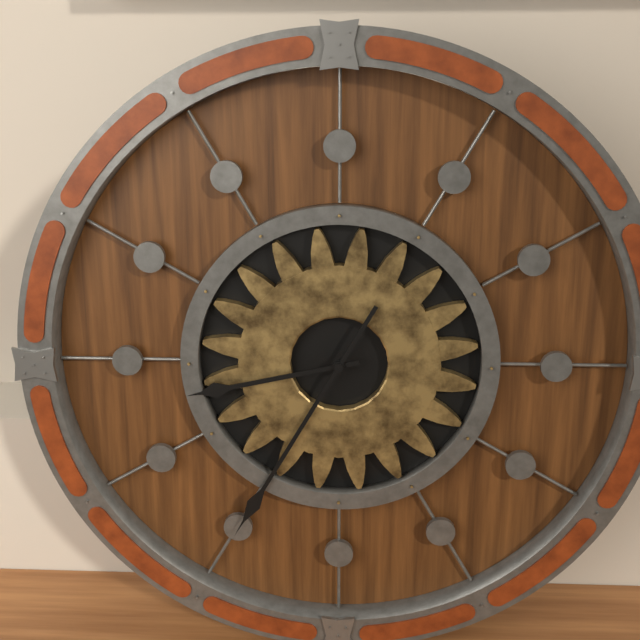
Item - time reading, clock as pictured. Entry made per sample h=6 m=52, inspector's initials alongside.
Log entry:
h=8 m=35
